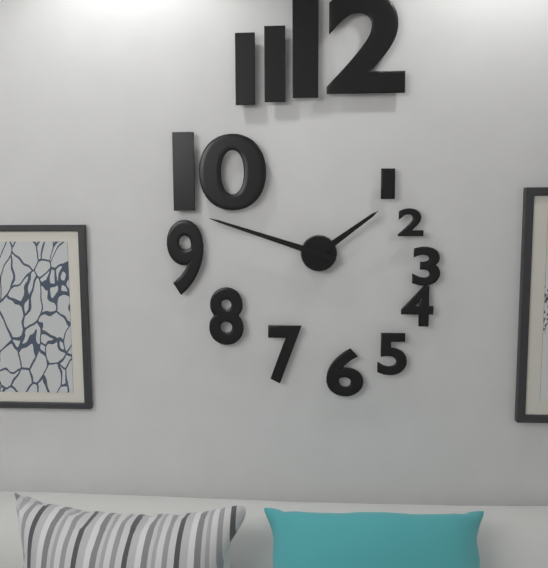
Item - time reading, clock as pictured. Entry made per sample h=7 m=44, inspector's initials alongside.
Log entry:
h=1 m=48
